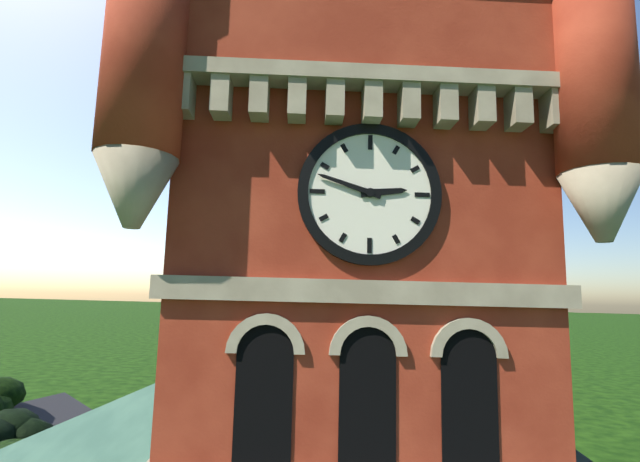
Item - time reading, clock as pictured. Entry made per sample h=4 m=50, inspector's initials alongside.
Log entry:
h=2 m=48
